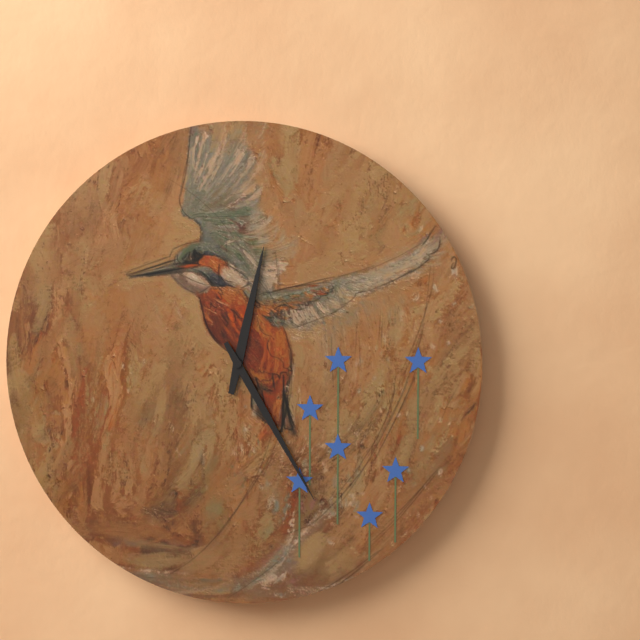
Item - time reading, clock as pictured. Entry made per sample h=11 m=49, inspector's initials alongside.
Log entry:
h=12 m=25
